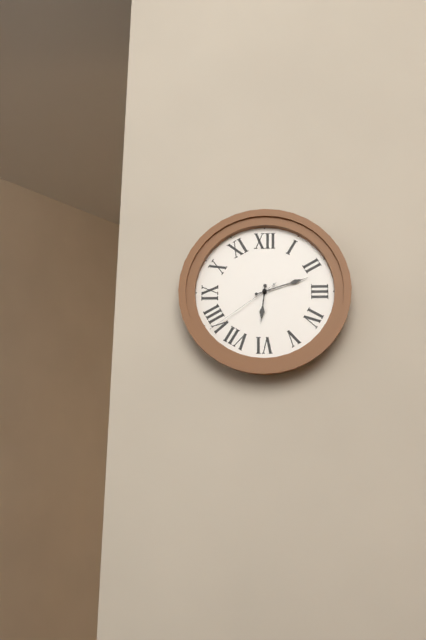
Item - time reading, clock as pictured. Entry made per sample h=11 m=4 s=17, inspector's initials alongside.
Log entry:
h=6 m=12 s=39
